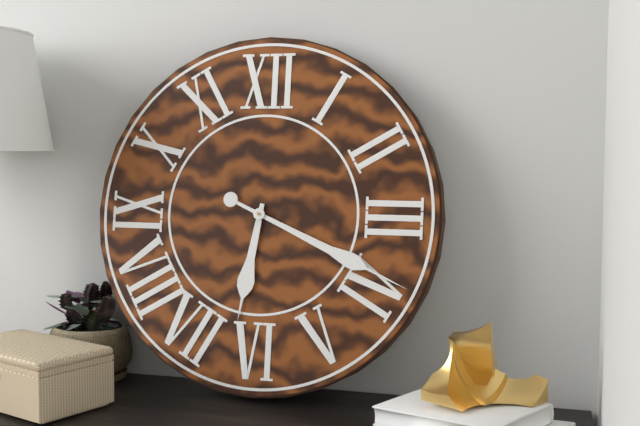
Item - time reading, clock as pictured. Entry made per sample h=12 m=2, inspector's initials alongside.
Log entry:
h=6 m=19
